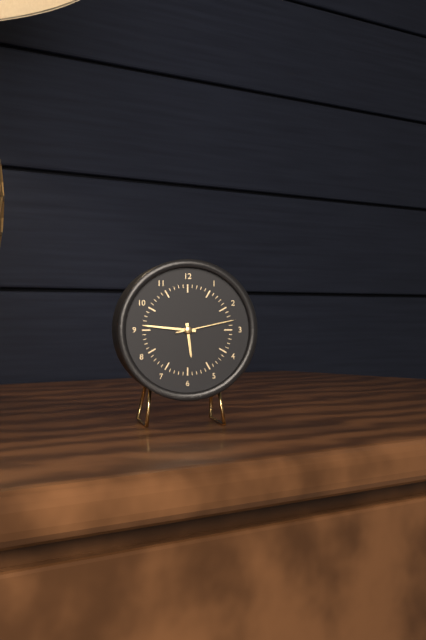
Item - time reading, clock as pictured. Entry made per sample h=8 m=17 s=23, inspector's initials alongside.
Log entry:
h=5 m=46 s=13
